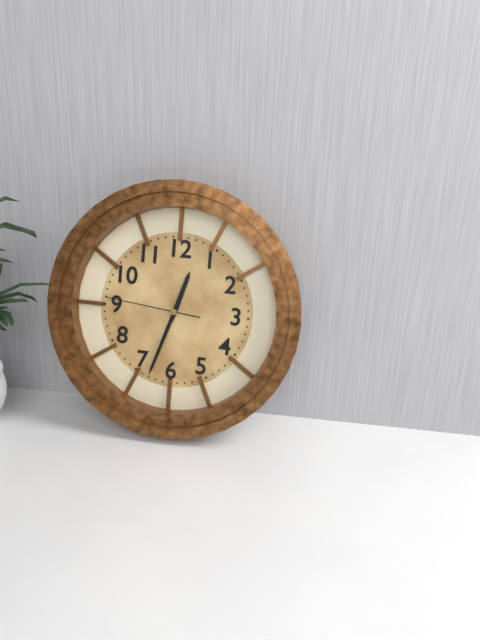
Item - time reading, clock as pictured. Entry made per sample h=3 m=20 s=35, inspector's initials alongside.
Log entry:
h=12 m=33 s=46
